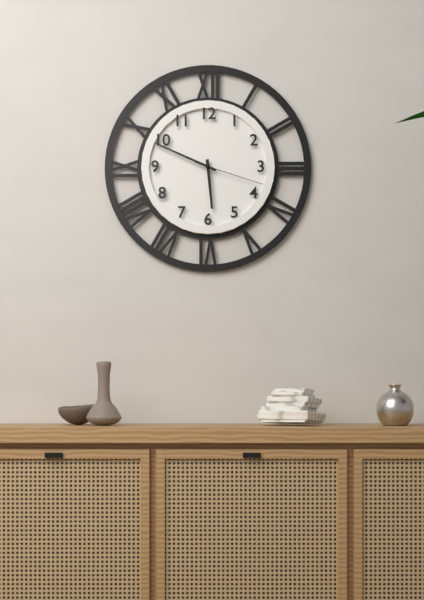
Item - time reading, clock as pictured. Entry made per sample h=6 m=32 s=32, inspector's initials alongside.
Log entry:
h=5 m=49 s=18
